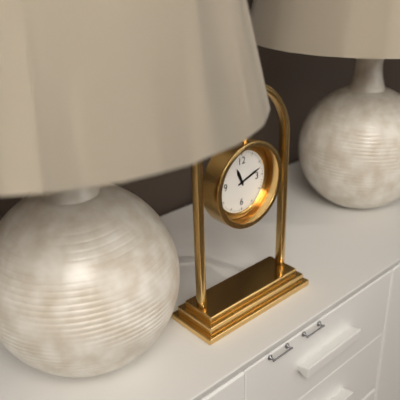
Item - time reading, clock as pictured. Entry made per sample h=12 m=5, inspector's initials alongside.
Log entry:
h=11 m=12
